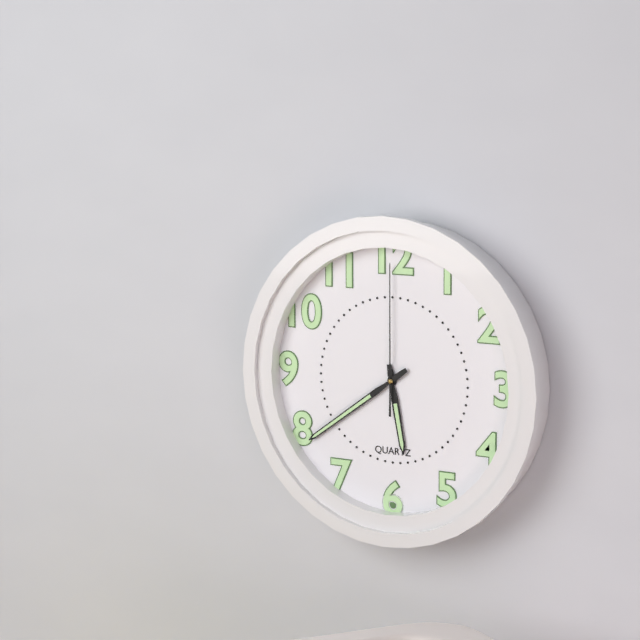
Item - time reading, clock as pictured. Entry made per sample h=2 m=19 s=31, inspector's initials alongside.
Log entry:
h=5 m=39 s=0
